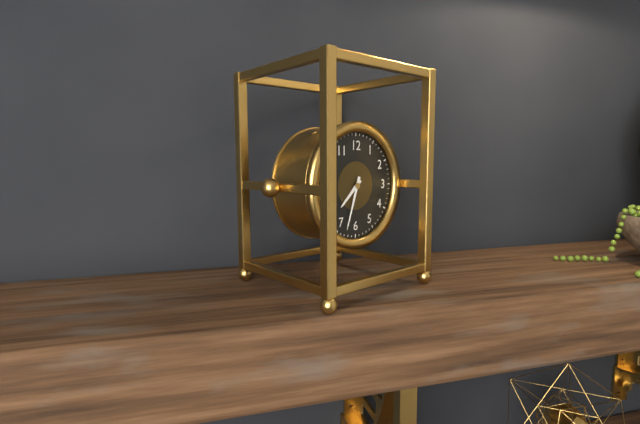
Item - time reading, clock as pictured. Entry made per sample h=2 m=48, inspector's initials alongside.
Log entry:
h=7 m=33
